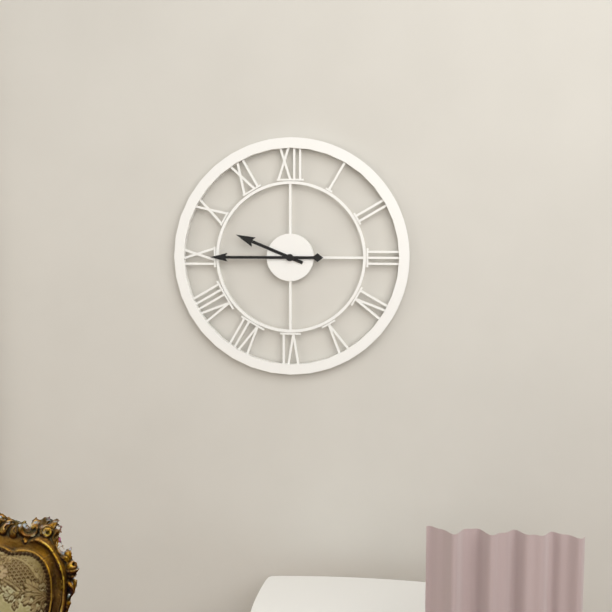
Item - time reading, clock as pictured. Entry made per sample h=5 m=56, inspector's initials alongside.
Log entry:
h=9 m=45
